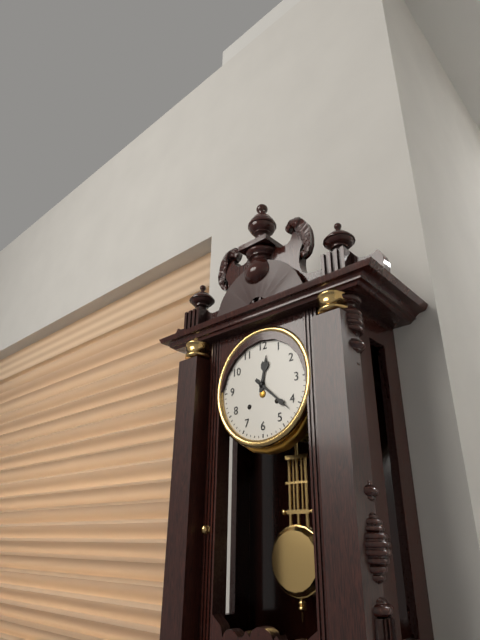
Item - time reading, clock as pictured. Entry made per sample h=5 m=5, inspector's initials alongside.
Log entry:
h=12 m=22
